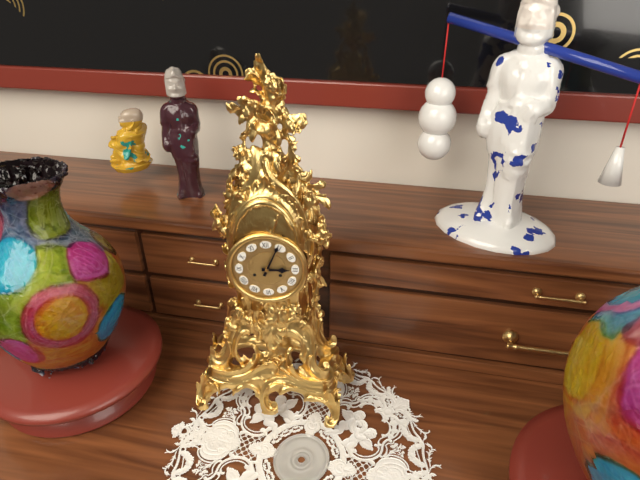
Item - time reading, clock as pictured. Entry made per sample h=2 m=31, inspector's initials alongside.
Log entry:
h=3 m=4
